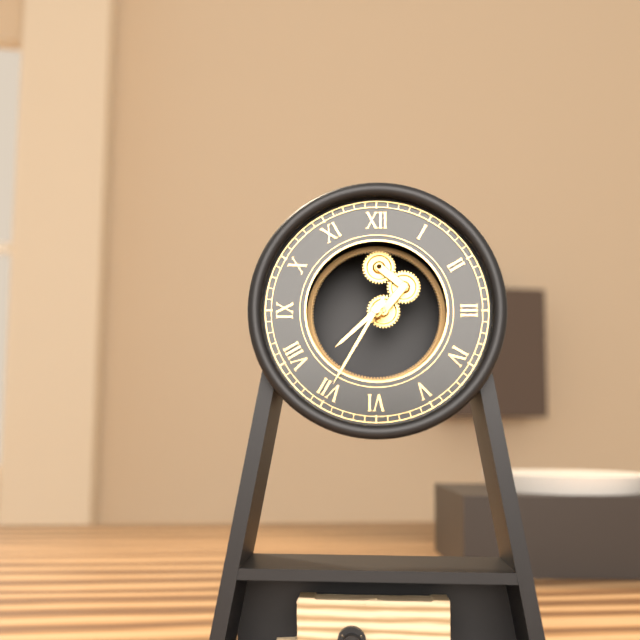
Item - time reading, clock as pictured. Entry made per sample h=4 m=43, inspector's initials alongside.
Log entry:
h=7 m=35
